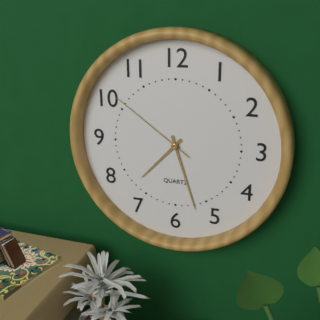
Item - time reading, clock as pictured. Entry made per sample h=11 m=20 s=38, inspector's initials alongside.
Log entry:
h=7 m=27 s=51
